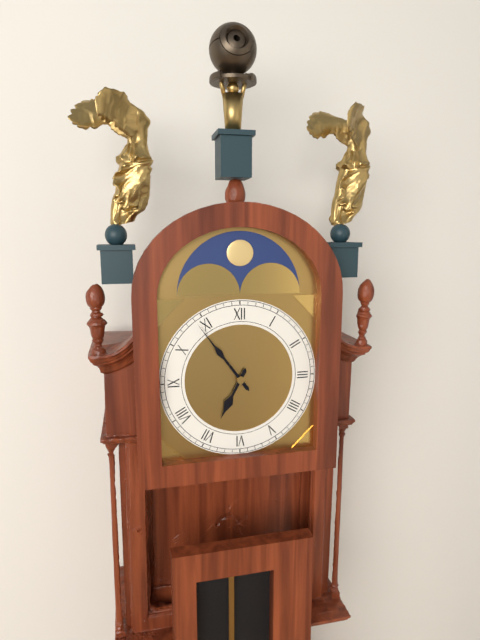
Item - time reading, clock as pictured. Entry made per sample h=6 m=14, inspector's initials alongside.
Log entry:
h=6 m=54
